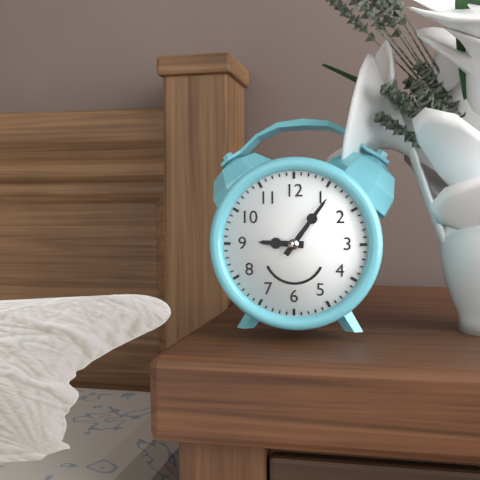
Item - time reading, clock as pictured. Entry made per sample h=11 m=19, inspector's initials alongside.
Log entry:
h=9 m=6
